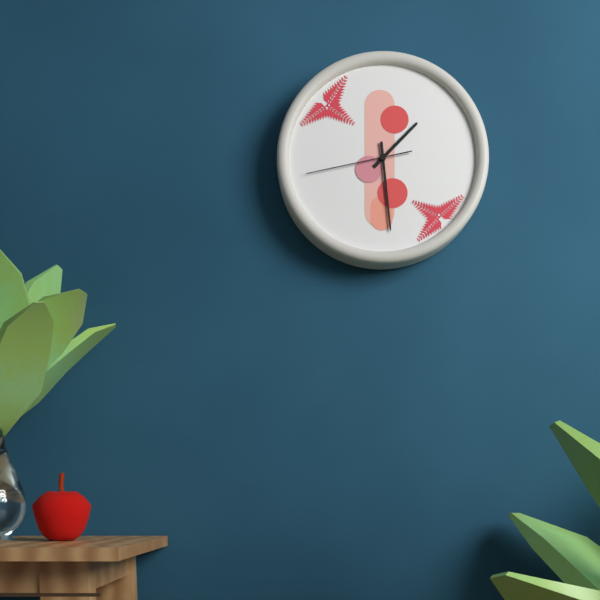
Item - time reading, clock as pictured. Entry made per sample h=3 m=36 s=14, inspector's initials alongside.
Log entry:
h=1 m=29 s=43
